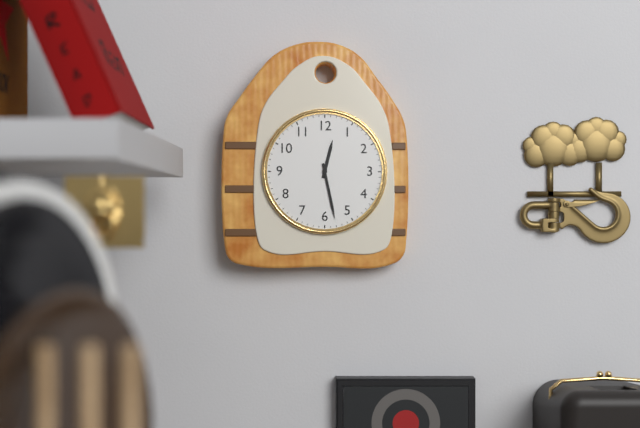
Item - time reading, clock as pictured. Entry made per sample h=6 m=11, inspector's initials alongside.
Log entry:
h=12 m=28
